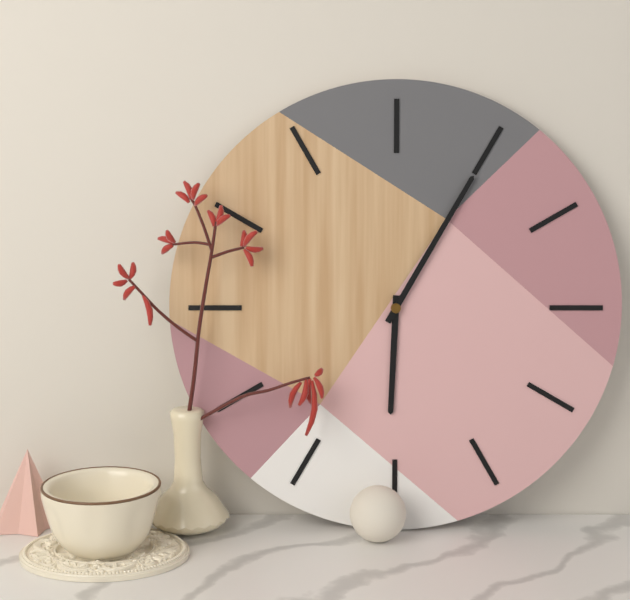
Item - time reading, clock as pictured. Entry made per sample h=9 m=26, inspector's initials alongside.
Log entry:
h=6 m=5
